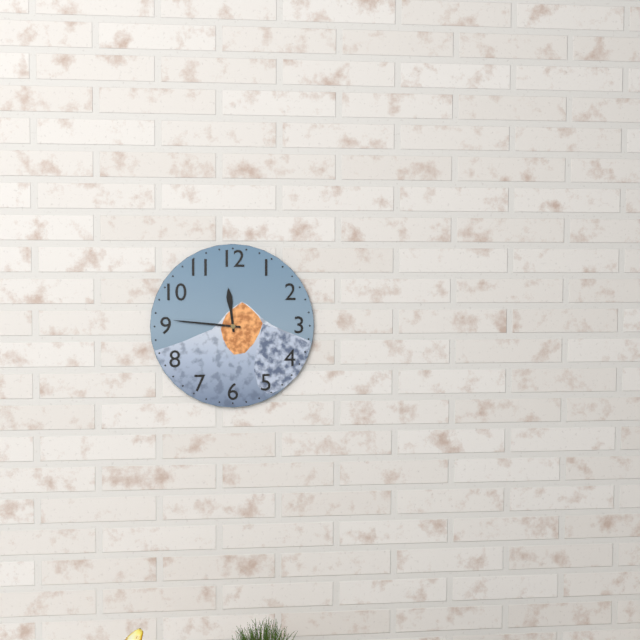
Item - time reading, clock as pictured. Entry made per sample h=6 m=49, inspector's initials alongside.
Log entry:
h=11 m=46
